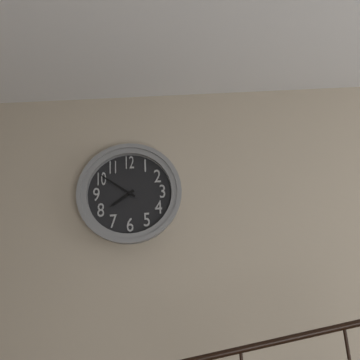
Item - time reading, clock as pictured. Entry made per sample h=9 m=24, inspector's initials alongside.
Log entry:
h=7 m=51
